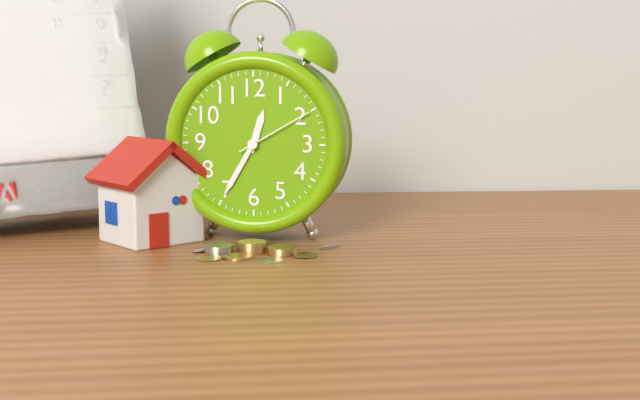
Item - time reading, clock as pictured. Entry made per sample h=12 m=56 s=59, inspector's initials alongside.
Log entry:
h=12 m=35 s=10
